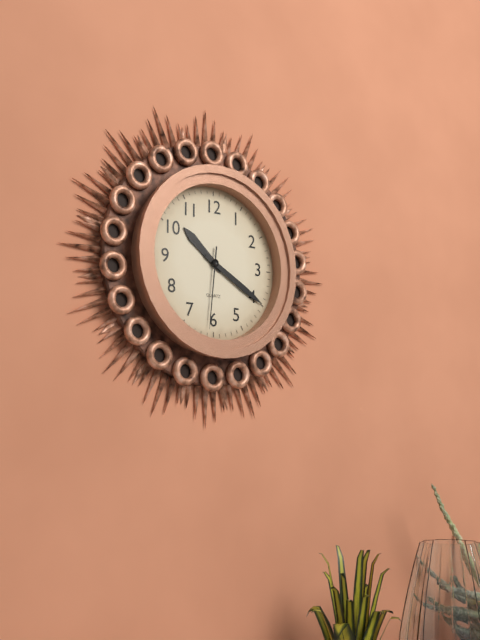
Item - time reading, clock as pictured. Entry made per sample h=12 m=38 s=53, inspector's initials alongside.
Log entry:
h=10 m=20 s=31
